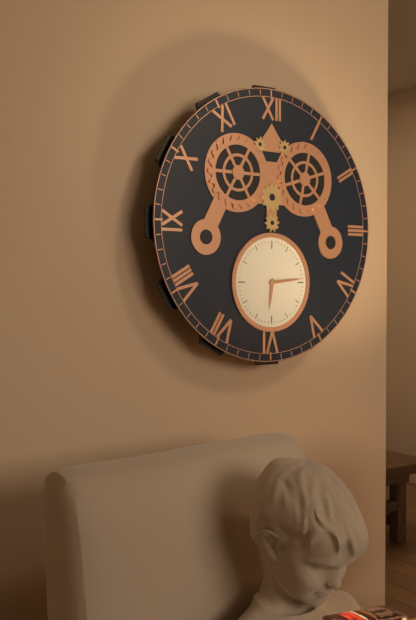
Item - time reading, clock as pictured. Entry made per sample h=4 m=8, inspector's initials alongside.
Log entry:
h=6 m=14
